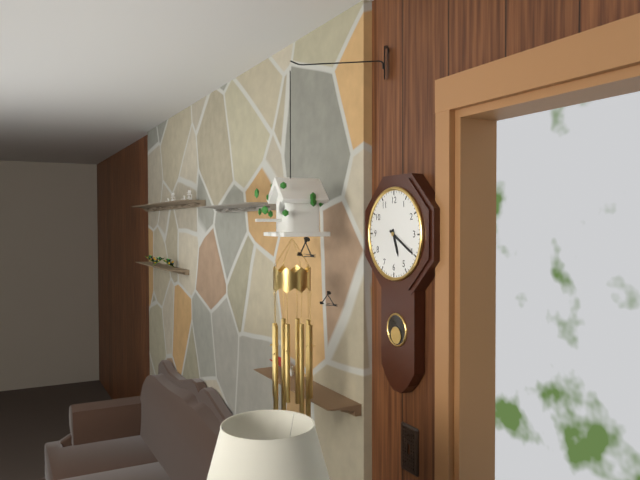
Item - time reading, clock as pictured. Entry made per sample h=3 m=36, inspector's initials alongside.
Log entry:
h=5 m=20
